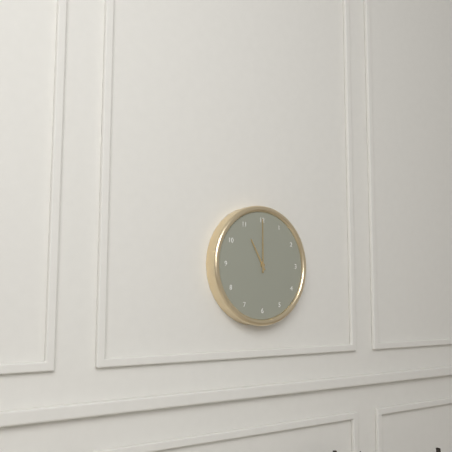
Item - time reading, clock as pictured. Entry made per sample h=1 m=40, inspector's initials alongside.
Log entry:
h=11 m=0
